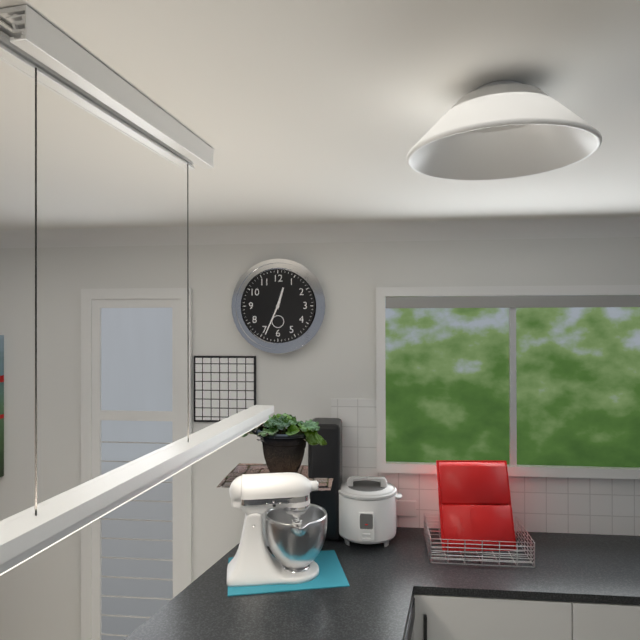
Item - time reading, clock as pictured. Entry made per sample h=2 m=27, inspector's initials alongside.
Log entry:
h=12 m=34
